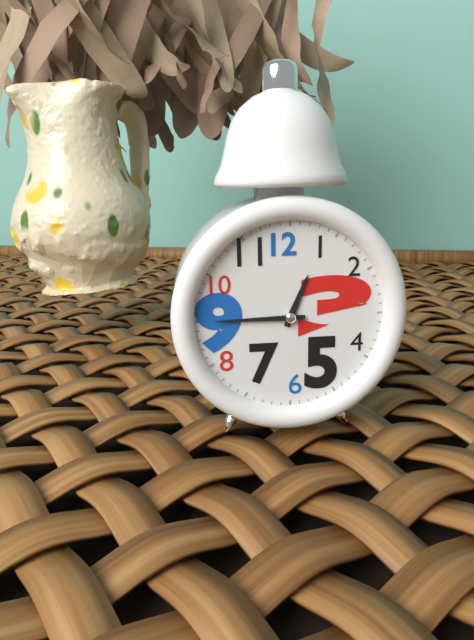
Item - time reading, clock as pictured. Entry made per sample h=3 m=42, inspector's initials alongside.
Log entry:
h=12 m=45
